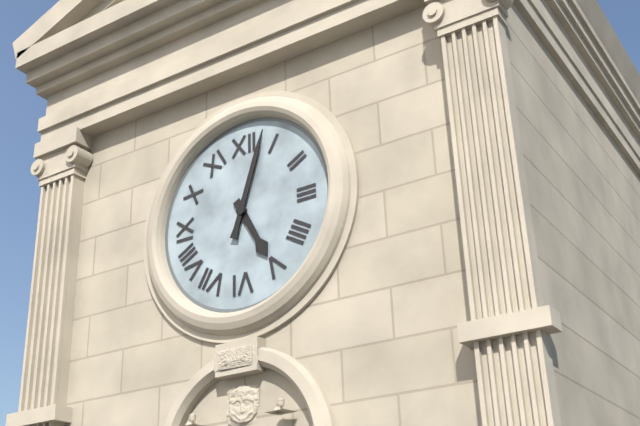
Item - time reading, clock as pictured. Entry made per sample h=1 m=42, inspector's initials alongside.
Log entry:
h=5 m=3
